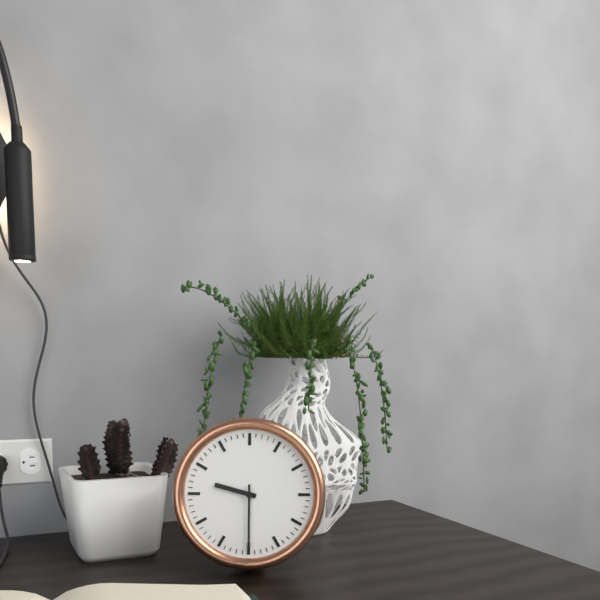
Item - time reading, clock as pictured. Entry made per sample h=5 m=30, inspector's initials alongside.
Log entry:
h=9 m=30
